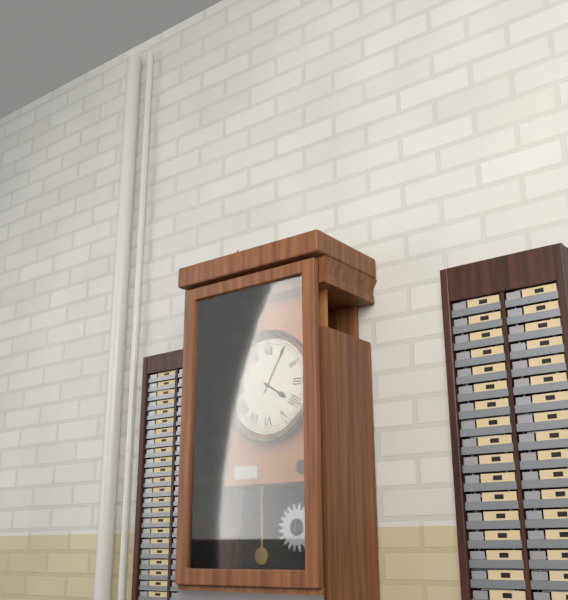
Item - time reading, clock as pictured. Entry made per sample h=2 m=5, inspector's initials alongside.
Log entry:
h=4 m=5
